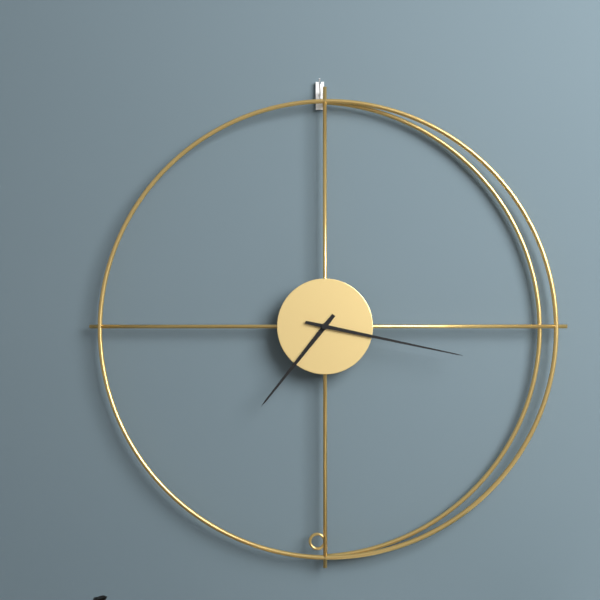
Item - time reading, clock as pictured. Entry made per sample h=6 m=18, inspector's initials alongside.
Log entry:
h=7 m=17
